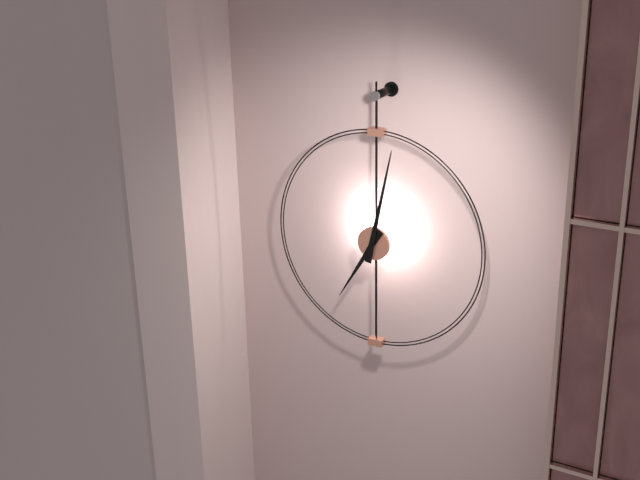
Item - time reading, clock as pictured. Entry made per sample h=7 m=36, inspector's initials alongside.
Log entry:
h=7 m=2
